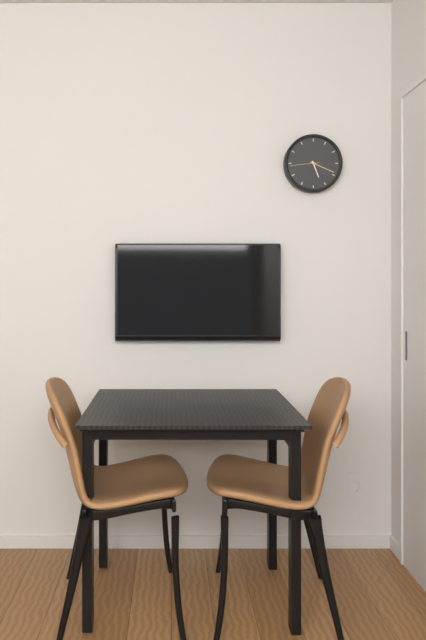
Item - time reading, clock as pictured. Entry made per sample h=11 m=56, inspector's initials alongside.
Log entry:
h=5 m=19
